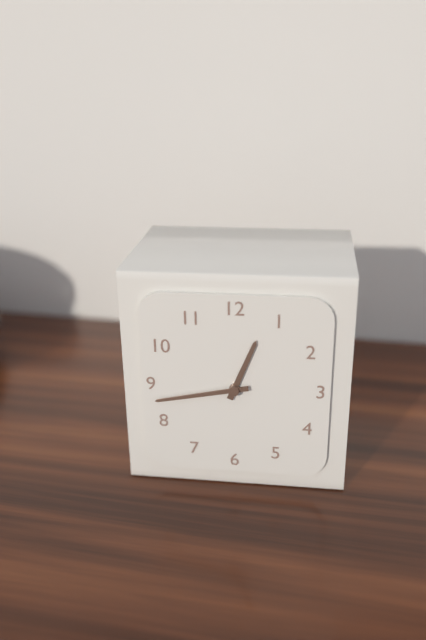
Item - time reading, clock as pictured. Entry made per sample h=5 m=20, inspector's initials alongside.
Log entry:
h=12 m=43
